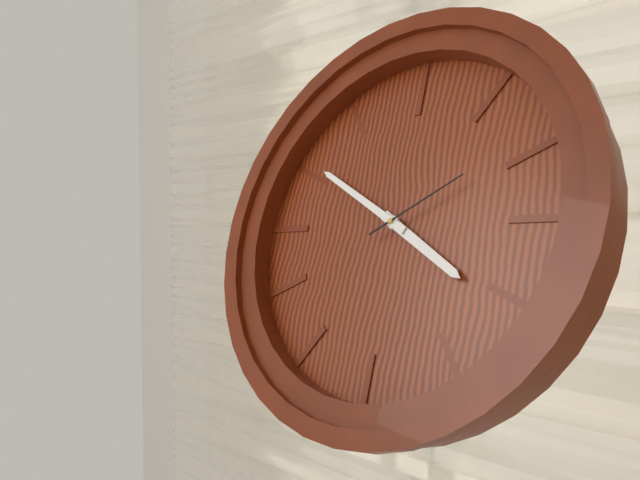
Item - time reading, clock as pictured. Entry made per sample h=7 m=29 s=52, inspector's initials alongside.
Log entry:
h=7 m=5 s=25
